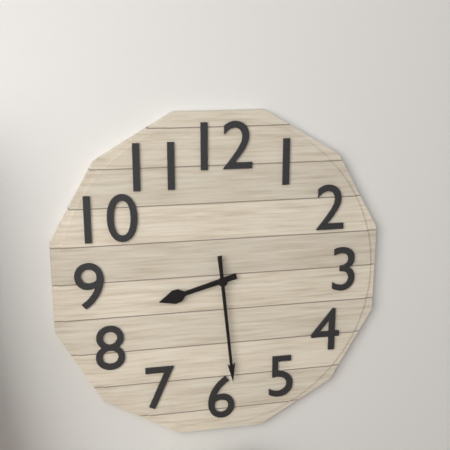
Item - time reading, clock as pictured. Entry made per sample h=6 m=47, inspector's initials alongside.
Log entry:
h=8 m=29
